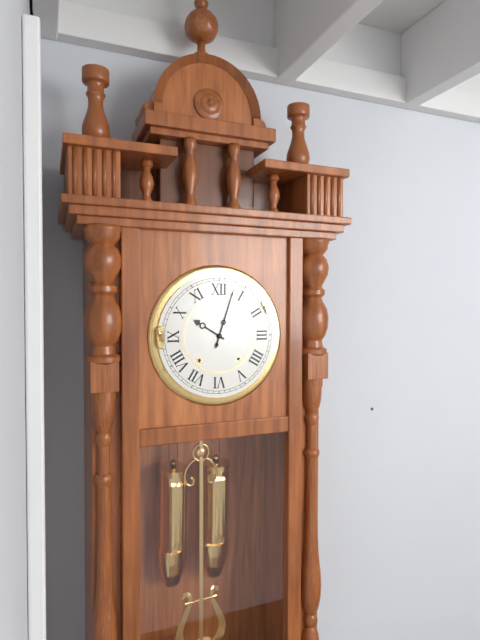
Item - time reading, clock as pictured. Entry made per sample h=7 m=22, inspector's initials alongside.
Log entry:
h=10 m=3
